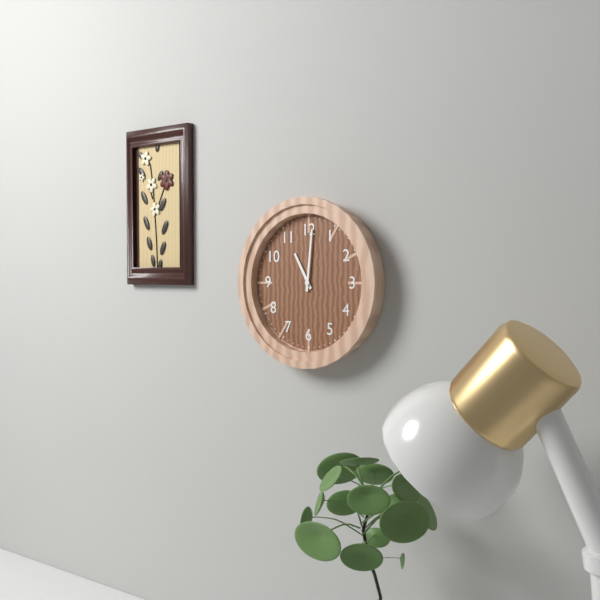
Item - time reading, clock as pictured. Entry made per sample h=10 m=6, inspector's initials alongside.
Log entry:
h=11 m=1
